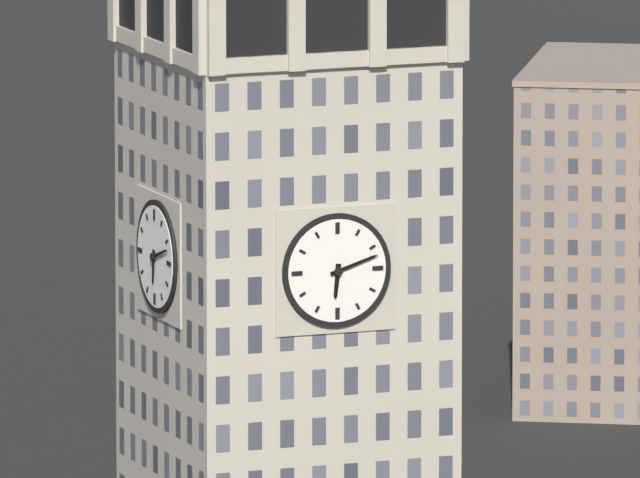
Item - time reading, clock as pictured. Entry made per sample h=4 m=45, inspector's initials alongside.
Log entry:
h=6 m=12
